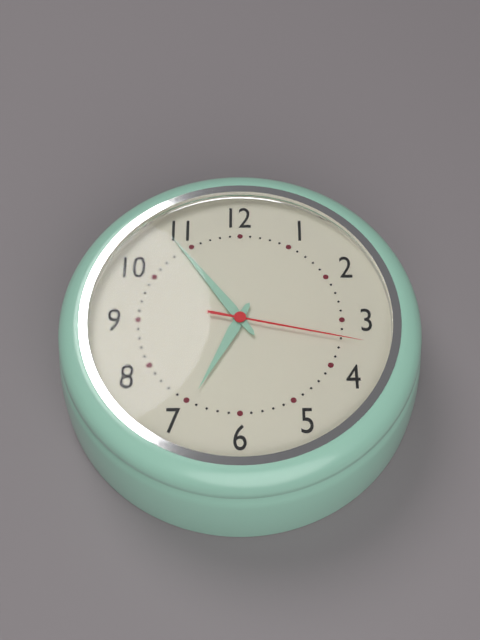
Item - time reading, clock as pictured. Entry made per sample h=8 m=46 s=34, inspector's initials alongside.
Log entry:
h=6 m=54 s=17
